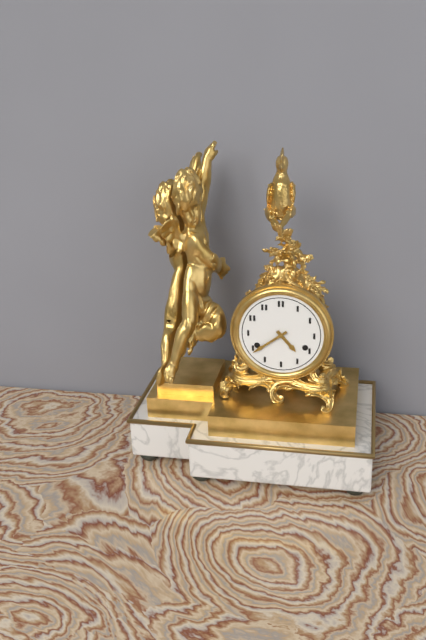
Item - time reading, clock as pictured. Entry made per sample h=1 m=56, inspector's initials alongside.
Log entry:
h=4 m=39
